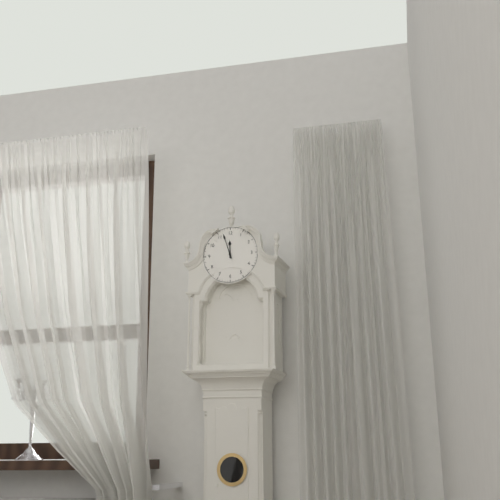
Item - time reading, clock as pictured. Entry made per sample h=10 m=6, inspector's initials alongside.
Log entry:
h=11 m=57
